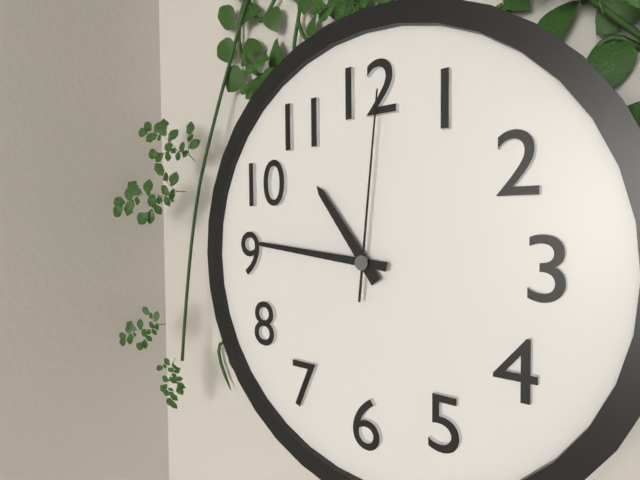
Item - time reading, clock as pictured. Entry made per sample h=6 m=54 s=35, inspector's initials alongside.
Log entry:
h=10 m=46 s=1
